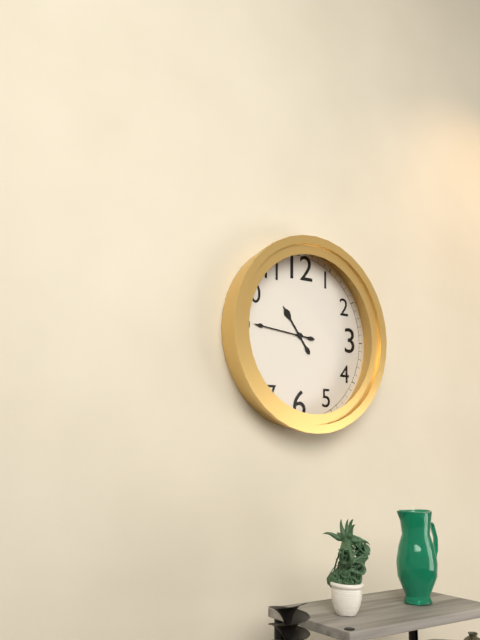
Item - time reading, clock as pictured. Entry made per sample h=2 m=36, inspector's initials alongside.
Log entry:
h=10 m=46
